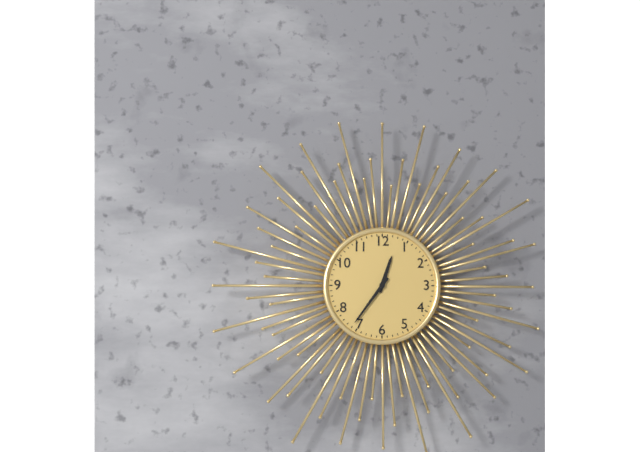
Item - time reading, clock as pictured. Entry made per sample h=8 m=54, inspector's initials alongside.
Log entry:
h=12 m=36
